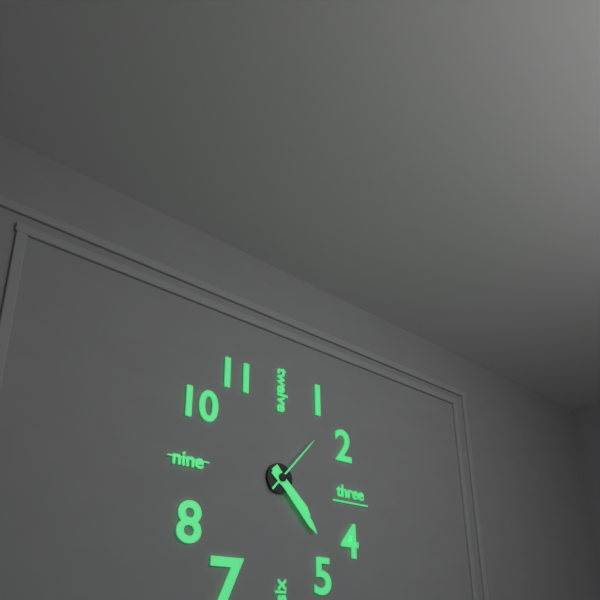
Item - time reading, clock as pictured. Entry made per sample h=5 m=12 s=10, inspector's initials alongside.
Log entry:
h=4 m=23 s=7
